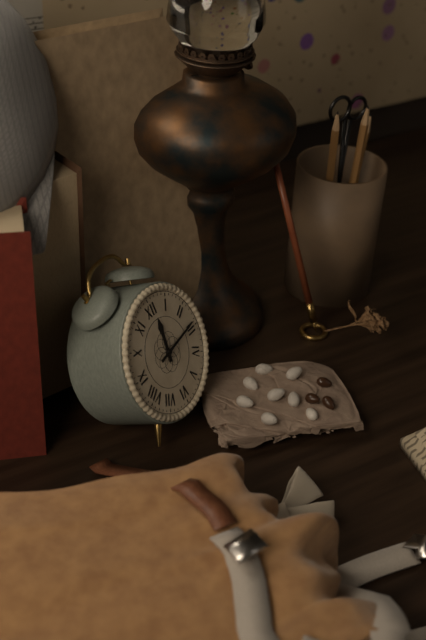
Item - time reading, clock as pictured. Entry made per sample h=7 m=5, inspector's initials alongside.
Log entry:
h=12 m=14
